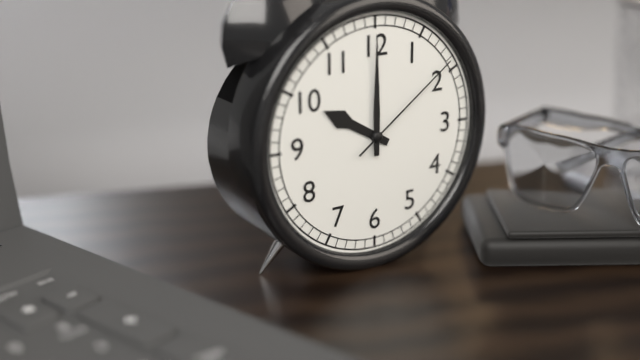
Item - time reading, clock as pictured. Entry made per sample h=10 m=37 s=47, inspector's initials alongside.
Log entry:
h=10 m=0 s=9
